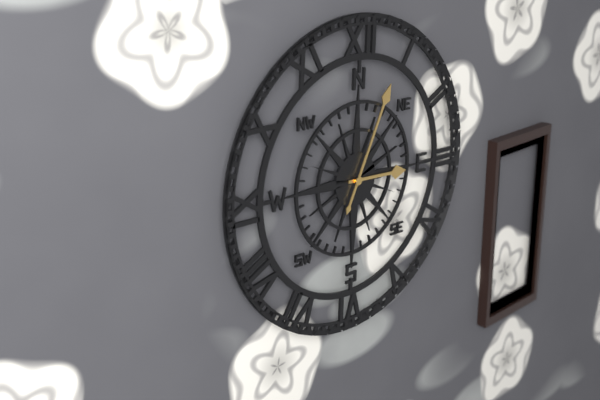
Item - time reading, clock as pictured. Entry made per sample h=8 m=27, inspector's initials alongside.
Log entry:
h=3 m=4
